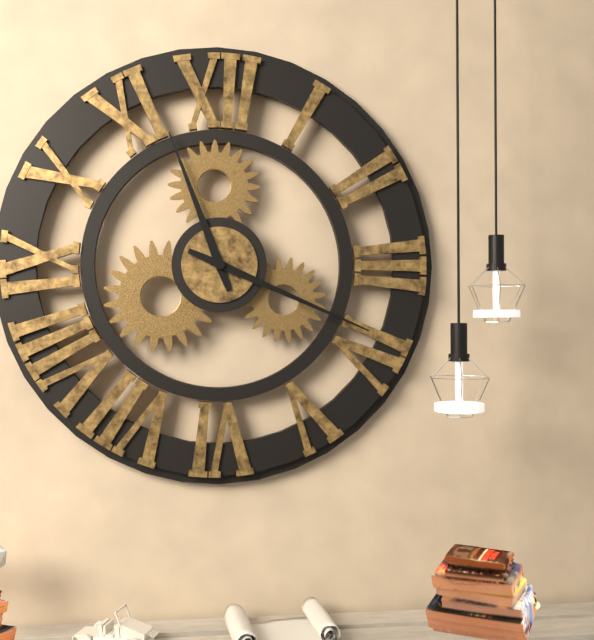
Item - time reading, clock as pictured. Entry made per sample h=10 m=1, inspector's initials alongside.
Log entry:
h=11 m=19
